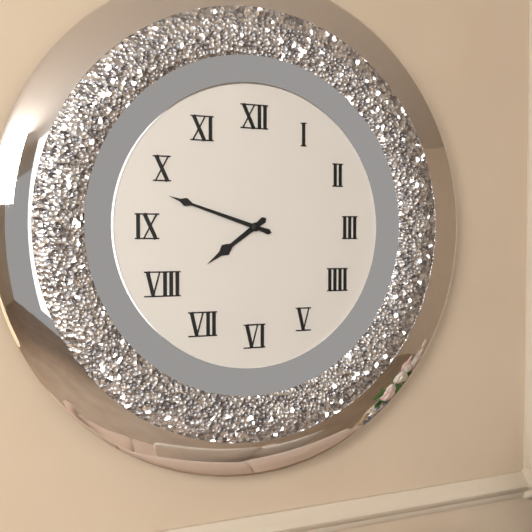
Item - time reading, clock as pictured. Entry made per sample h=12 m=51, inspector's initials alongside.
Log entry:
h=7 m=48
